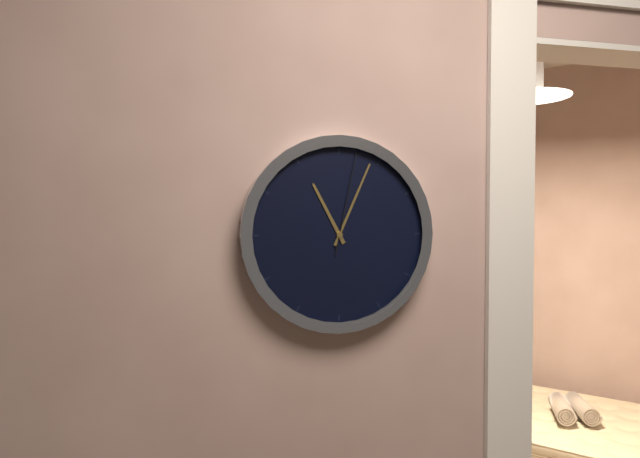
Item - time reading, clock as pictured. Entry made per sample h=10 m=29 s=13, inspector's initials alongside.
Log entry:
h=11 m=4 s=2
